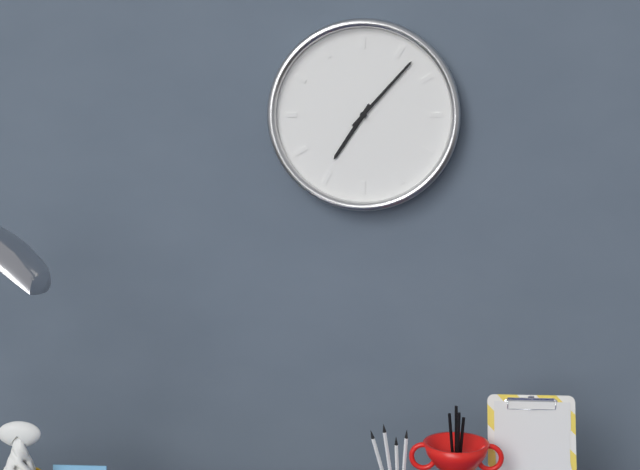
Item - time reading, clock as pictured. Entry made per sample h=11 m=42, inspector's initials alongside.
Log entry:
h=7 m=7
